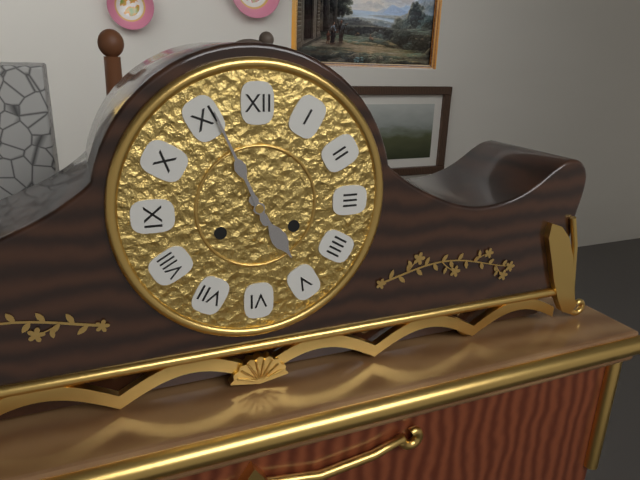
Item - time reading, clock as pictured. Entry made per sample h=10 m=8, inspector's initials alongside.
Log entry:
h=4 m=56
